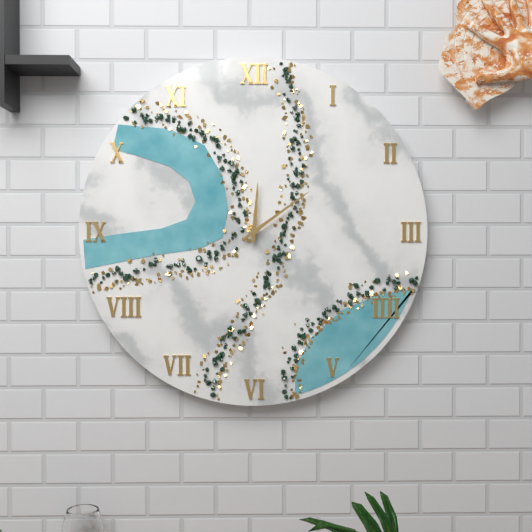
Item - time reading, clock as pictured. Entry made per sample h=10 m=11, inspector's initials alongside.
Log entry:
h=12 m=9
